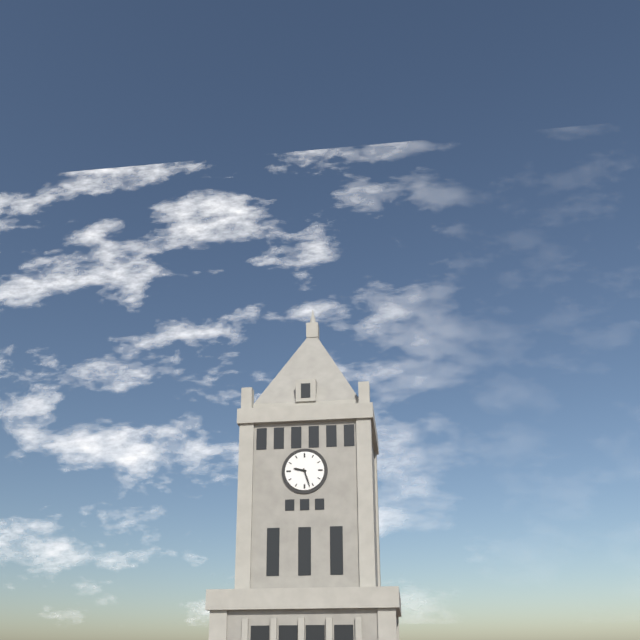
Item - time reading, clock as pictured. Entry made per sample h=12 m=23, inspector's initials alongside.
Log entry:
h=9 m=27
